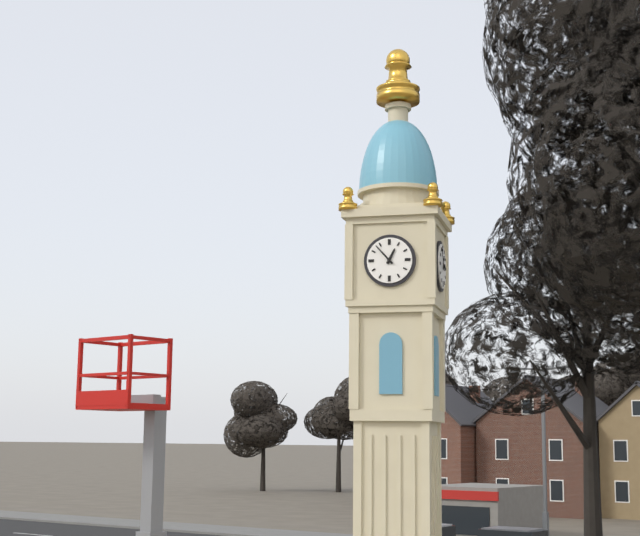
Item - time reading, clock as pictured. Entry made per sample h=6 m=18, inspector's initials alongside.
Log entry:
h=12 m=53
